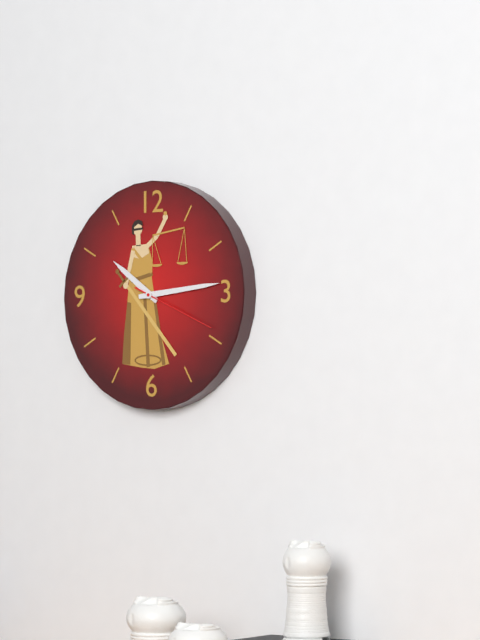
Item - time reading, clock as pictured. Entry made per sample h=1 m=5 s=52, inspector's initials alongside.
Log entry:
h=10 m=14 s=19
